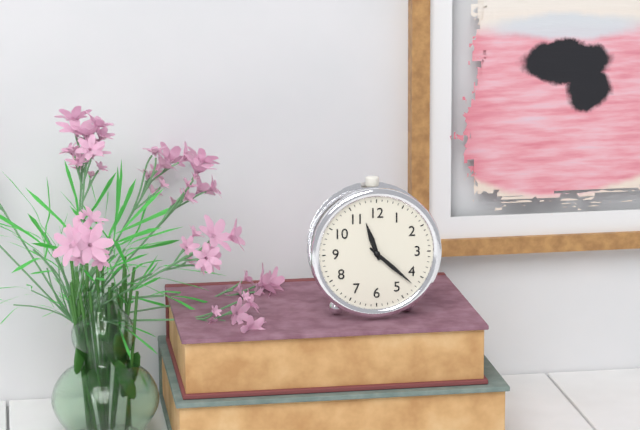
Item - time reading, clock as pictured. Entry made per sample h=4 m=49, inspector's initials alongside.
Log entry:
h=11 m=22
